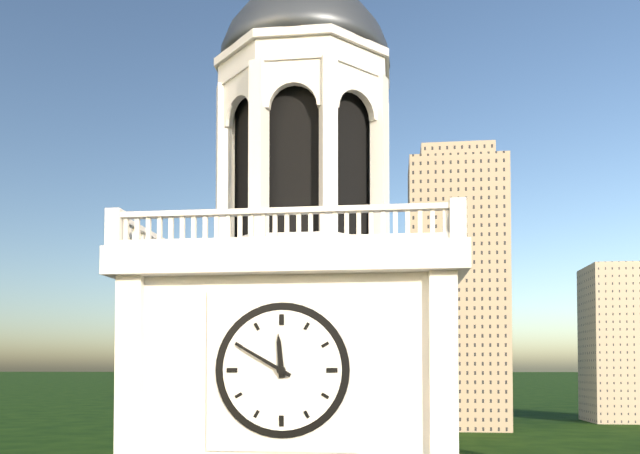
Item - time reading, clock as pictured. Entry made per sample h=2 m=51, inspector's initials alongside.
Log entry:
h=11 m=50
